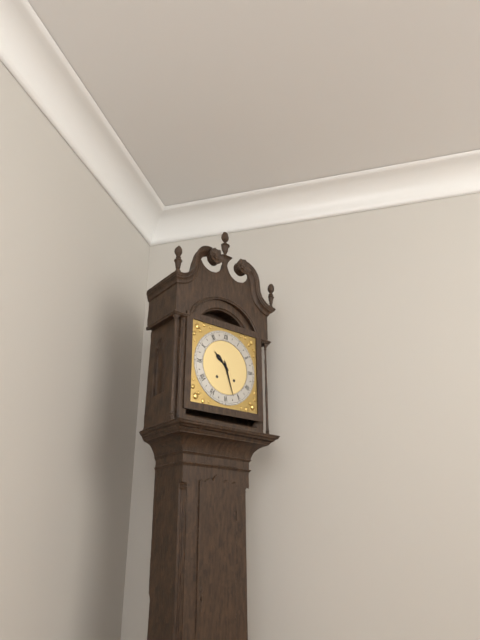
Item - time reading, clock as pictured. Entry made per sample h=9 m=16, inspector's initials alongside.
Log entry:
h=10 m=27
